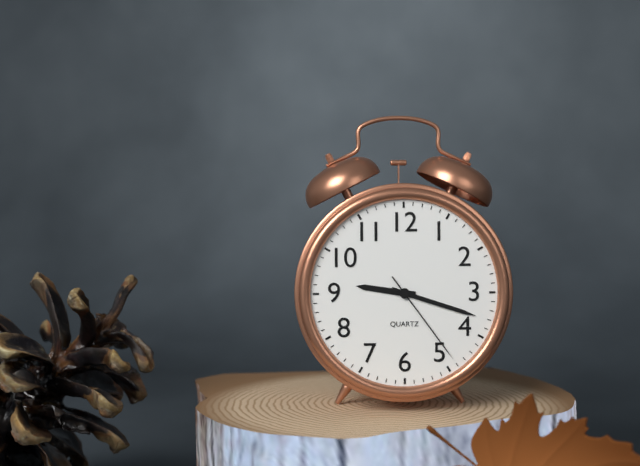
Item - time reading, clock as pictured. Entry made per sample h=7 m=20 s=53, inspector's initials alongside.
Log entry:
h=9 m=18 s=24
